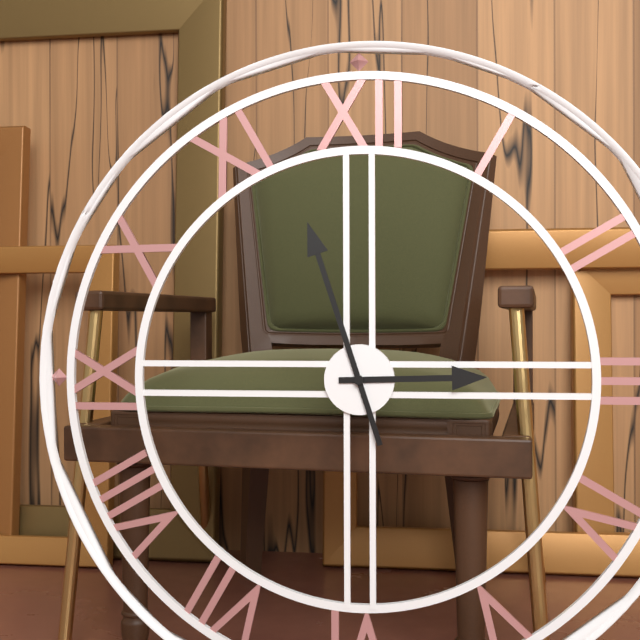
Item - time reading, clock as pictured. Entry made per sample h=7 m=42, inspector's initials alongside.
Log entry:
h=2 m=57
